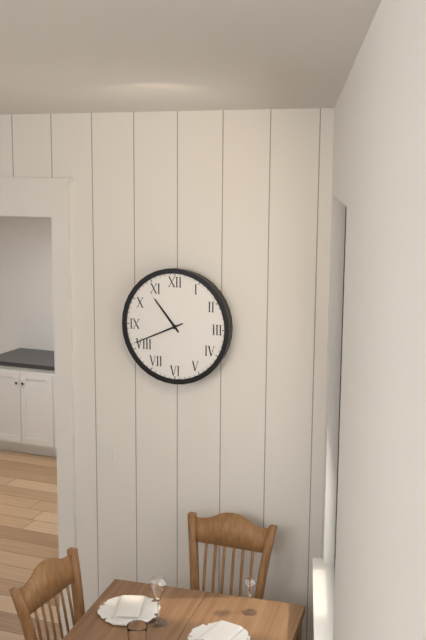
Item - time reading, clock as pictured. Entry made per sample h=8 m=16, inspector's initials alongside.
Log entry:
h=10 m=41
